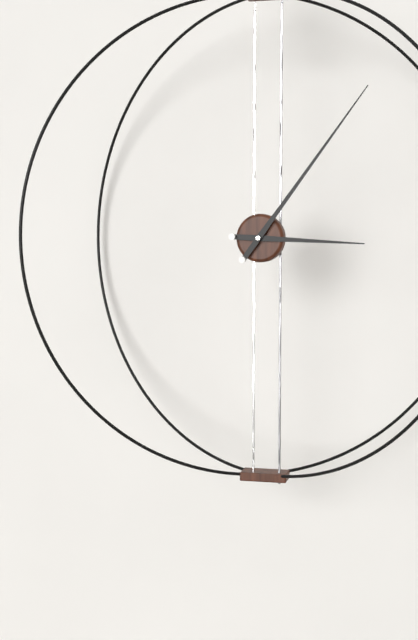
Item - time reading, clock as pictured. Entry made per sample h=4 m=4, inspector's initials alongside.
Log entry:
h=3 m=6
